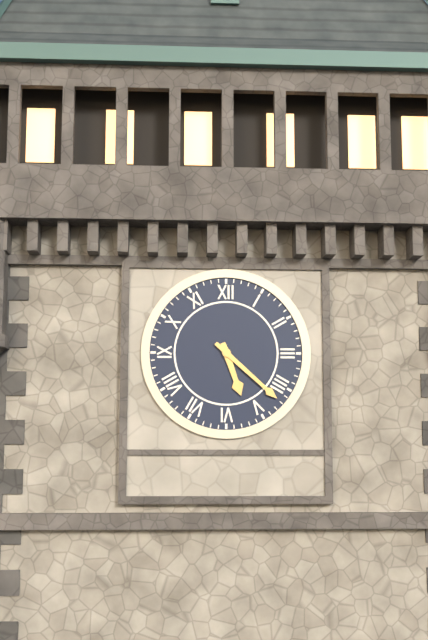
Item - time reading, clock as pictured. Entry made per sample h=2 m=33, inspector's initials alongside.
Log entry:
h=5 m=22
